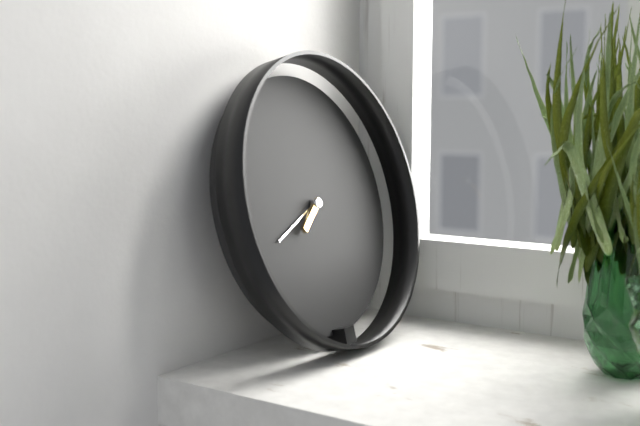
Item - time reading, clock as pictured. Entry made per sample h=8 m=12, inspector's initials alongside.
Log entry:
h=7 m=41
